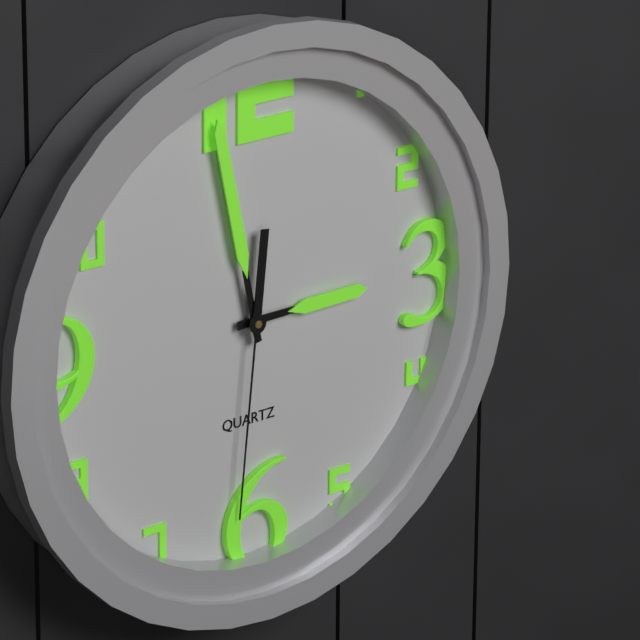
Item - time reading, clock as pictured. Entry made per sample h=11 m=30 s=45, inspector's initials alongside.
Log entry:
h=2 m=58 s=31
